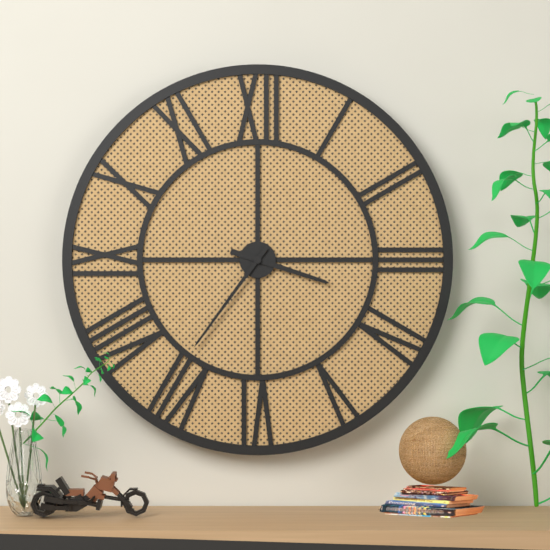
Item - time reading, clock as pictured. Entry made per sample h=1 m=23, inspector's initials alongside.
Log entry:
h=3 m=36
